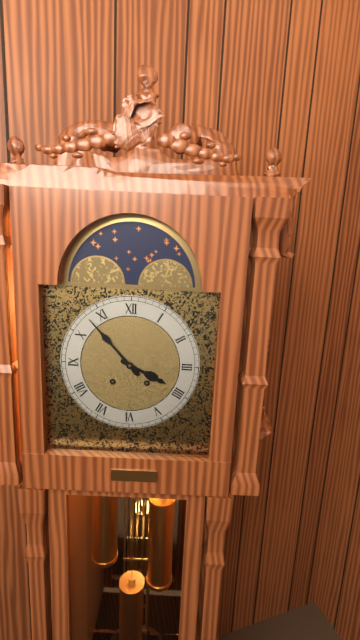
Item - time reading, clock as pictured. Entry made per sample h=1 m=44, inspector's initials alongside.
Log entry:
h=3 m=53
